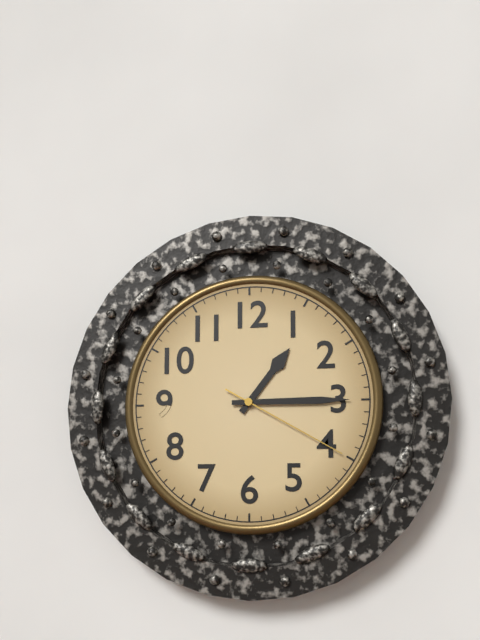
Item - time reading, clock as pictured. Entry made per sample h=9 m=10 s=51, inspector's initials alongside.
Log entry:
h=1 m=15 s=20
